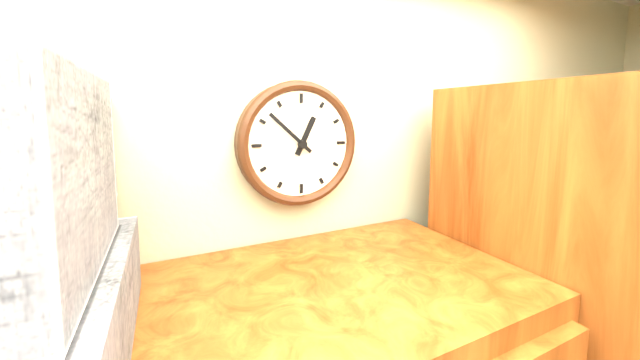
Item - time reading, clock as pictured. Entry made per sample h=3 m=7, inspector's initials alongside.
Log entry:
h=12 m=52
